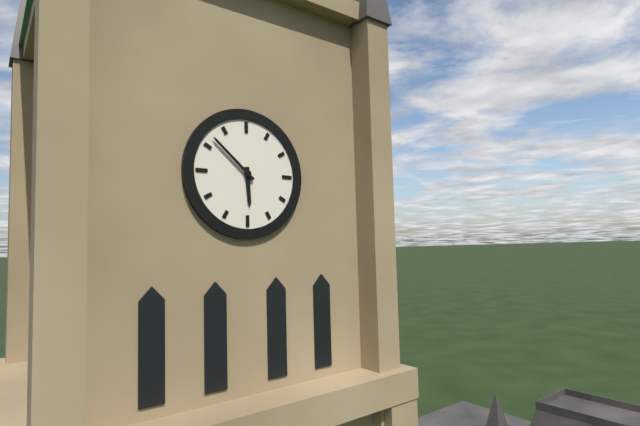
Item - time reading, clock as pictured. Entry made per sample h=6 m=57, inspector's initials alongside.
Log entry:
h=5 m=52
